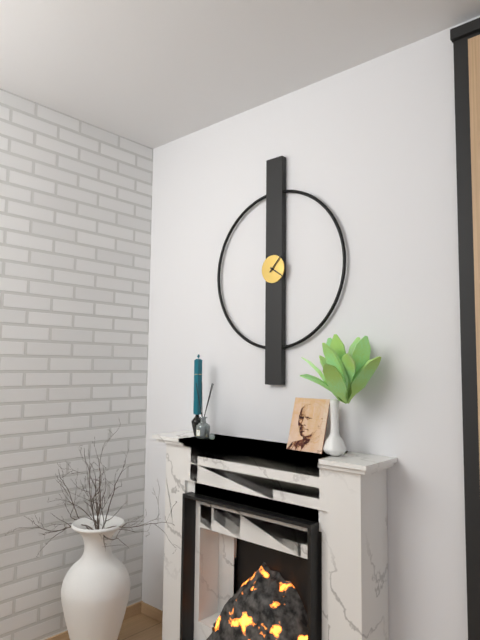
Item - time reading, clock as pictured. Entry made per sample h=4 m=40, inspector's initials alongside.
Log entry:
h=4 m=7
